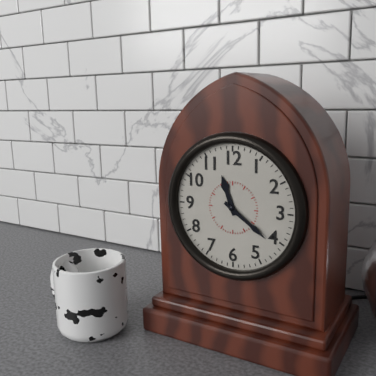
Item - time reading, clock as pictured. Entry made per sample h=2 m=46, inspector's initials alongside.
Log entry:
h=11 m=21
